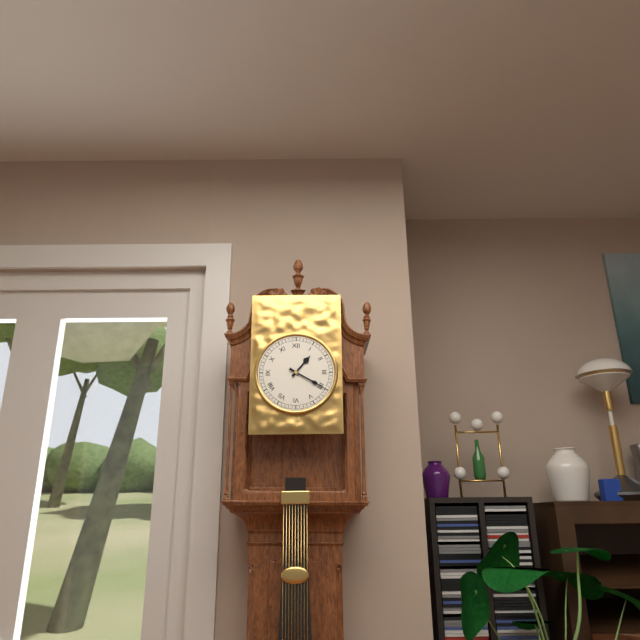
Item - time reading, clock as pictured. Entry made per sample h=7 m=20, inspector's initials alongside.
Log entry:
h=1 m=20
